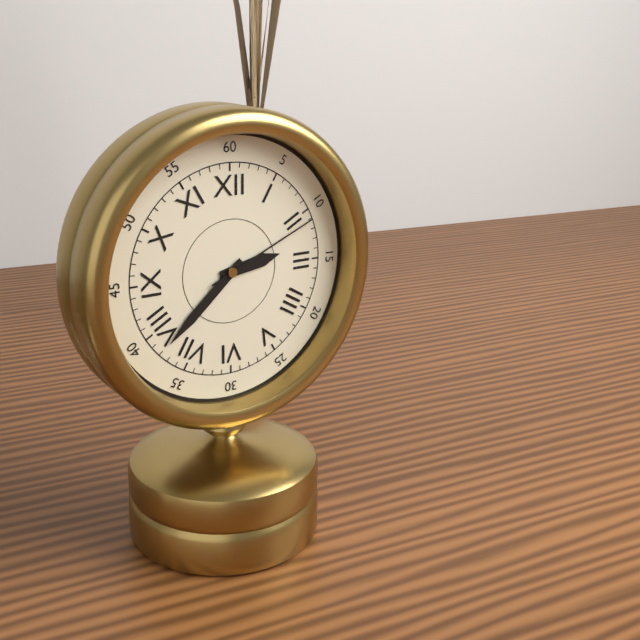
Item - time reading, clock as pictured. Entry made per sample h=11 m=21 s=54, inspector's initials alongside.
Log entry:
h=2 m=38 s=11
